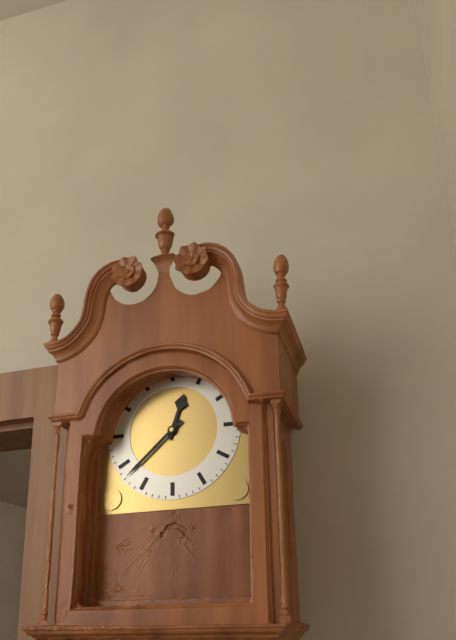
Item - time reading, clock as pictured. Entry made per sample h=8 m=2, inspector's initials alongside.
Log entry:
h=12 m=38
